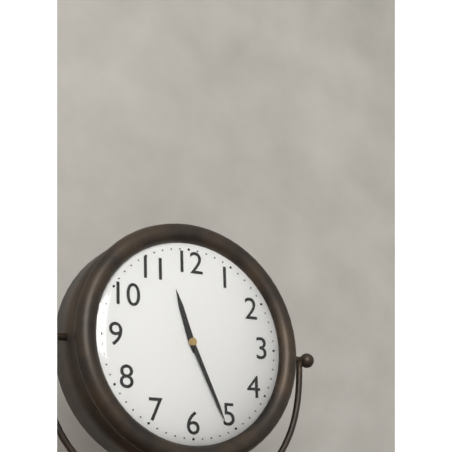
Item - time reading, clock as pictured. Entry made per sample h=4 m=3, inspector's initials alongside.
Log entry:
h=11 m=26
